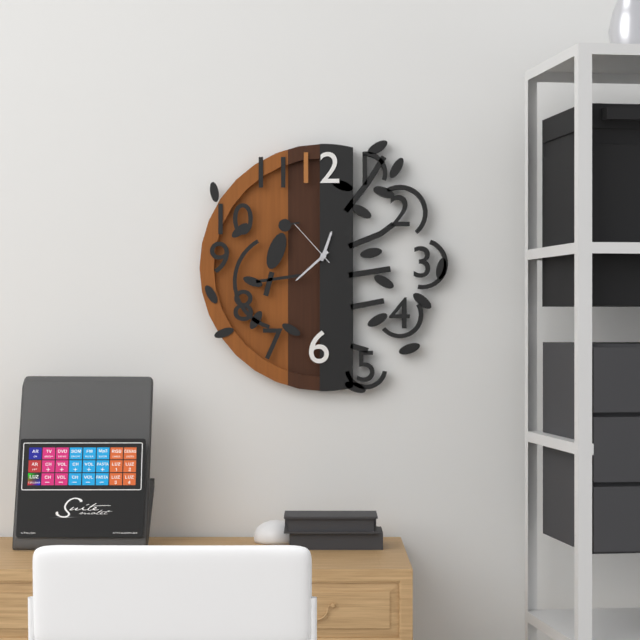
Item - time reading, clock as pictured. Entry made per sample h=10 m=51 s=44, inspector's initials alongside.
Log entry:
h=12 m=38 s=53
